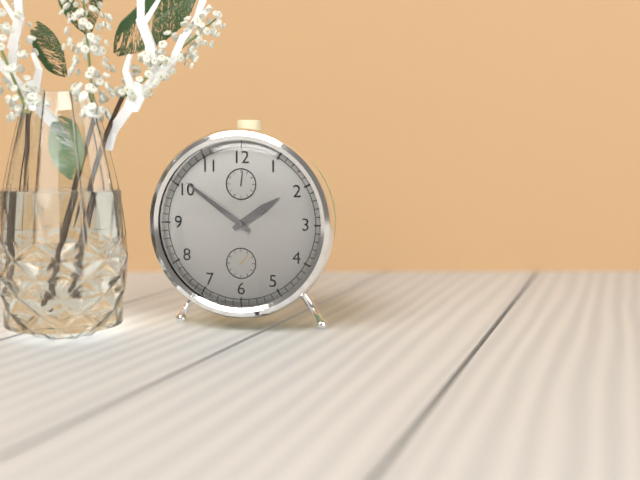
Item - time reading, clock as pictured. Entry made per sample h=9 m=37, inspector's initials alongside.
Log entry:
h=1 m=51
